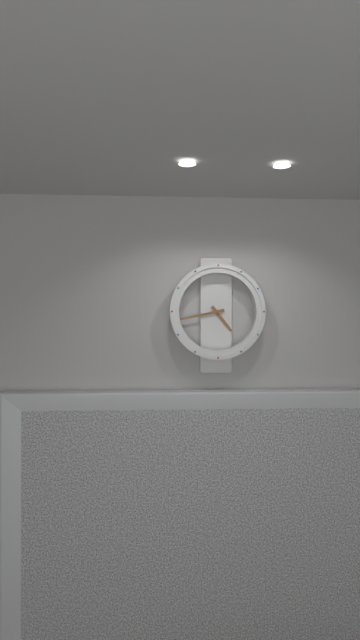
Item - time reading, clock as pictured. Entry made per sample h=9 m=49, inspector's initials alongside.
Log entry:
h=4 m=43
